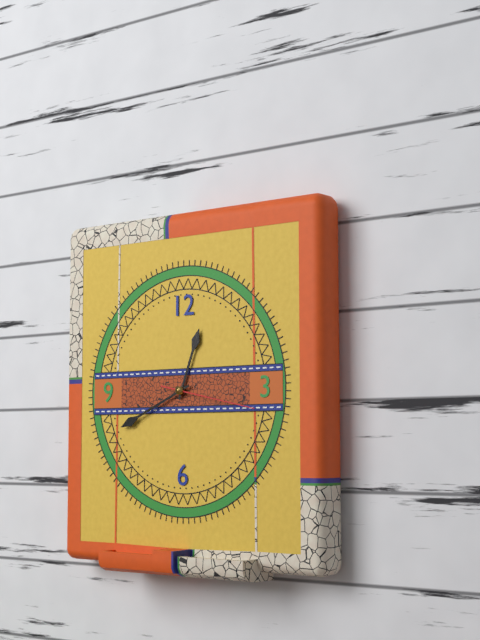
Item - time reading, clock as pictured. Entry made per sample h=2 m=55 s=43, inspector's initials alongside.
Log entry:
h=12 m=41 s=17
